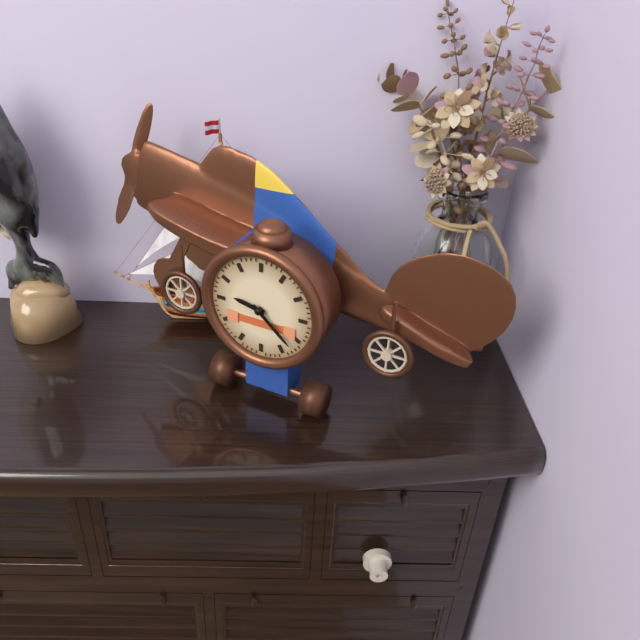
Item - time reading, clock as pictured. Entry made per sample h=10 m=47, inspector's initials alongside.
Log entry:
h=9 m=22
